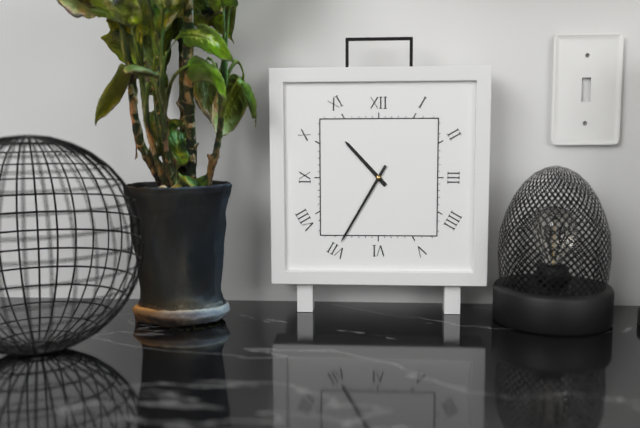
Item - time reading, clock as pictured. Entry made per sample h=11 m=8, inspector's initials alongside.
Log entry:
h=10 m=35
